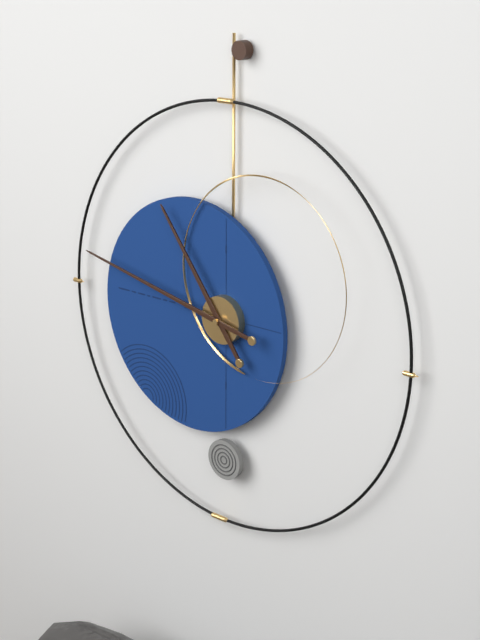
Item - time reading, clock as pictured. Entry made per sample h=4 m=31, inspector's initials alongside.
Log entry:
h=10 m=47
